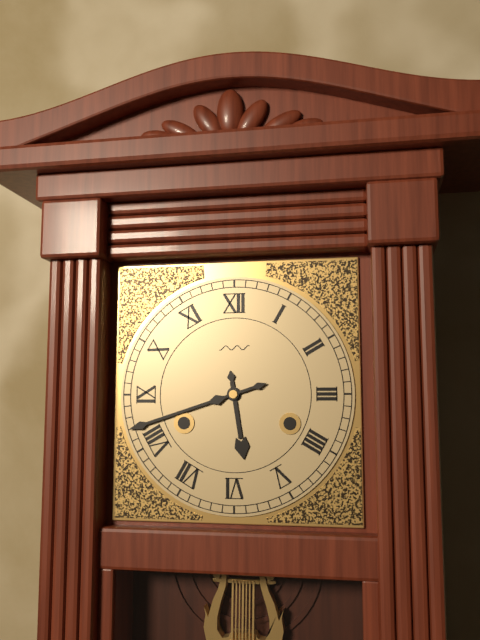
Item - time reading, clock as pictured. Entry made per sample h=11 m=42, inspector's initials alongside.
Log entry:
h=5 m=42
